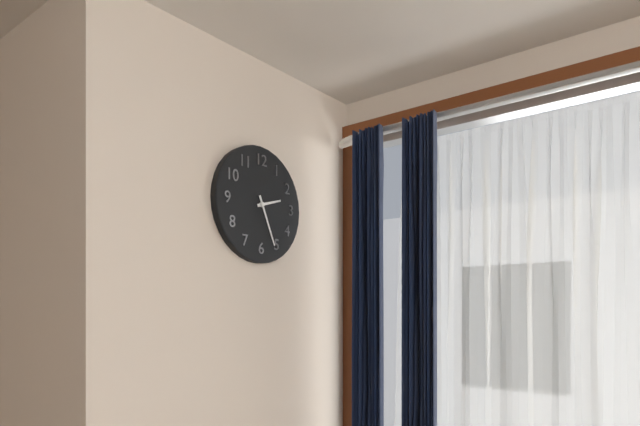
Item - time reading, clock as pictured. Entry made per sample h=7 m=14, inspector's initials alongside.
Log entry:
h=2 m=26
